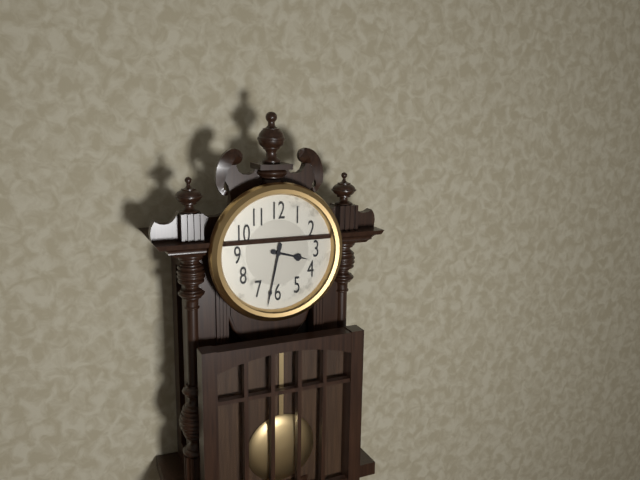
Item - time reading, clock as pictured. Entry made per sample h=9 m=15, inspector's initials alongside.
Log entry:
h=3 m=32
